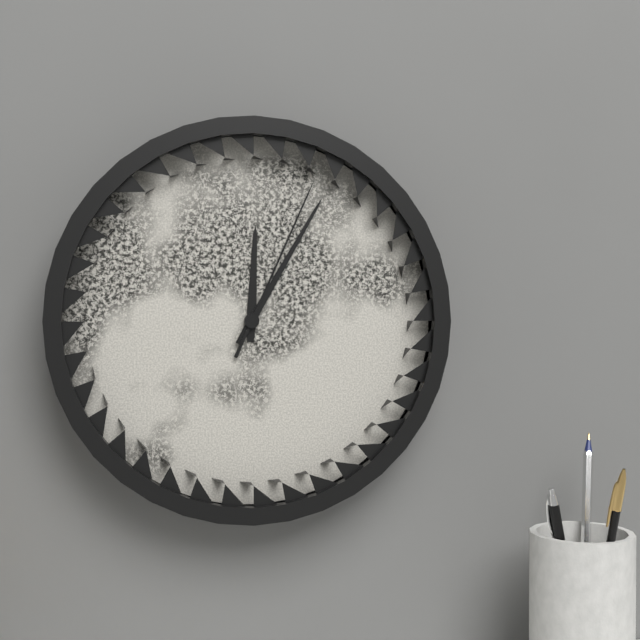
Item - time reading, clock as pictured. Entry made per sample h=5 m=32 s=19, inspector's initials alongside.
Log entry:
h=12 m=5 s=4
